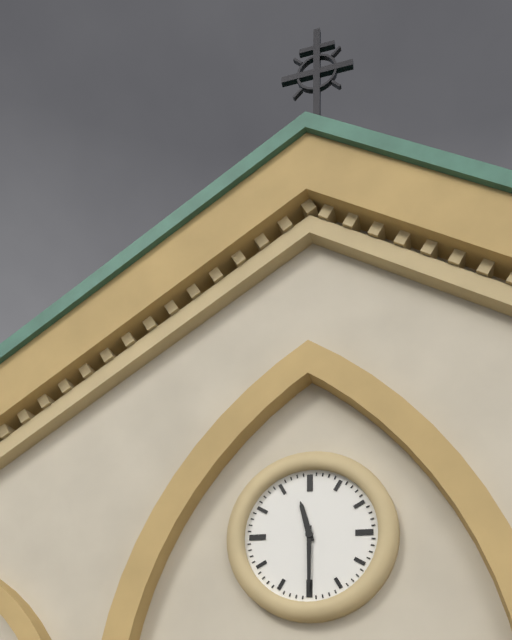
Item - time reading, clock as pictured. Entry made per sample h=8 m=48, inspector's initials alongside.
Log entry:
h=11 m=30
